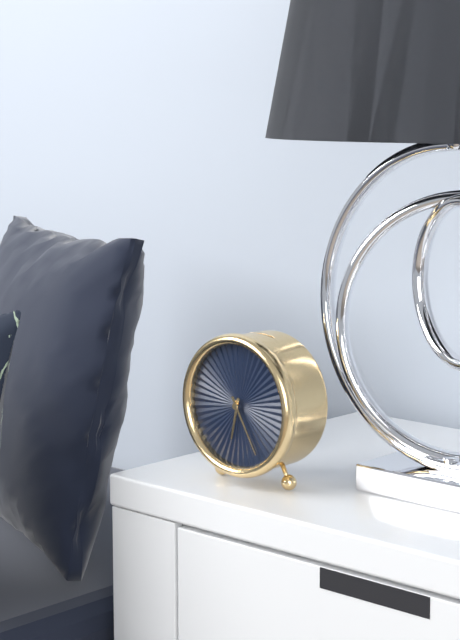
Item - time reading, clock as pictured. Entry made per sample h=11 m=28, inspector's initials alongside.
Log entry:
h=6 m=25
